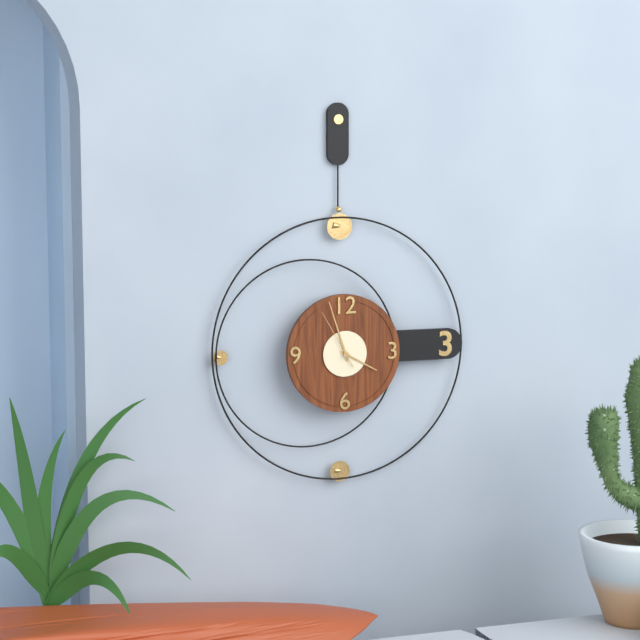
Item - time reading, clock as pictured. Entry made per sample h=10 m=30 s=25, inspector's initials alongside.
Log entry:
h=3 m=57 s=55
